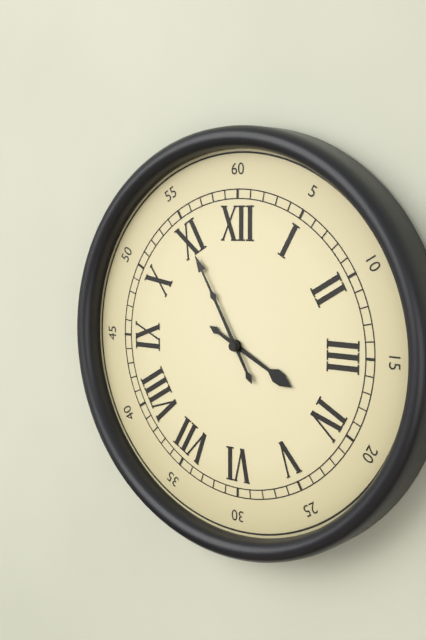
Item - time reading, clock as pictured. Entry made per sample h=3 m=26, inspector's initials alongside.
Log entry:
h=3 m=55
